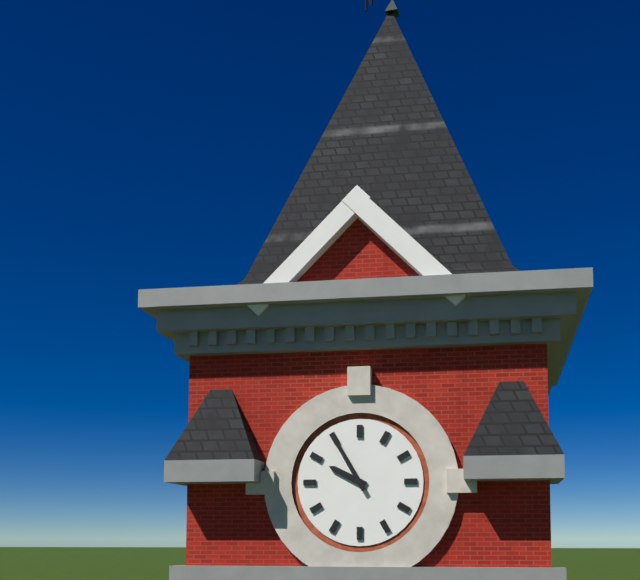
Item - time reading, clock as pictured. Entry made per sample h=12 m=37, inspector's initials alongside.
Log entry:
h=9 m=55
